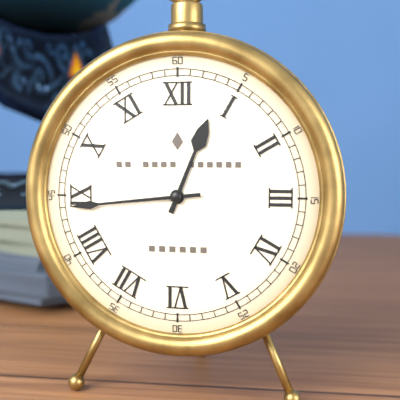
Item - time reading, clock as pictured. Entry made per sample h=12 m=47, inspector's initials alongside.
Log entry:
h=12 m=44
